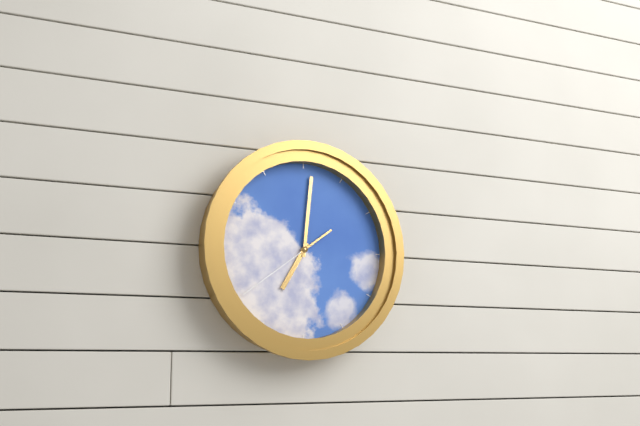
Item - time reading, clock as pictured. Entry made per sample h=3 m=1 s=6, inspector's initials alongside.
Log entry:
h=7 m=1 s=39
